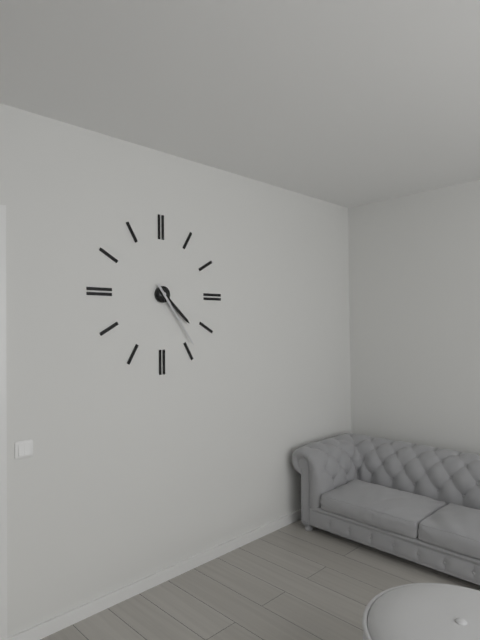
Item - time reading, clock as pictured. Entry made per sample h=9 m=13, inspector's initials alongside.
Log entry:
h=4 m=24
